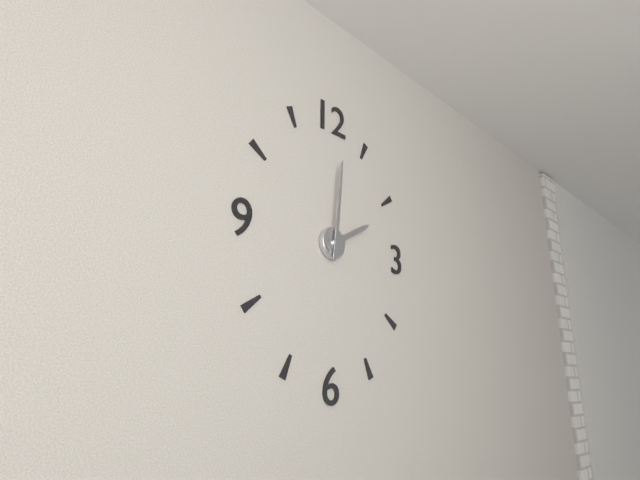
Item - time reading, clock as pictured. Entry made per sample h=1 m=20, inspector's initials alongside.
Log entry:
h=2 m=1
